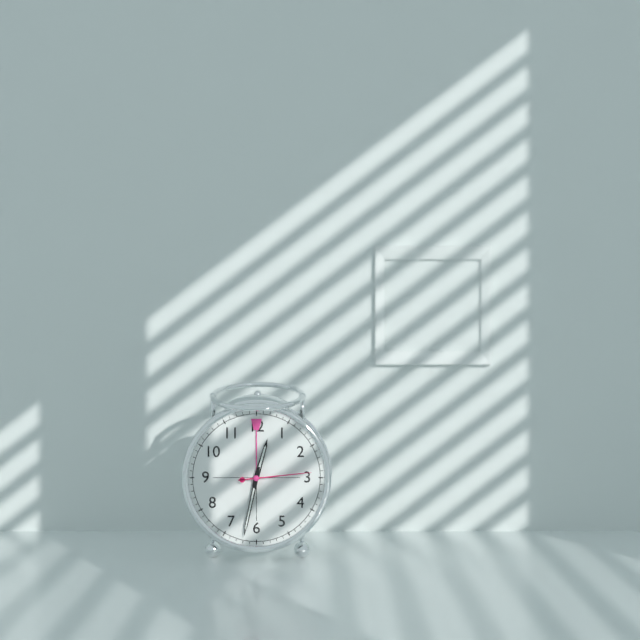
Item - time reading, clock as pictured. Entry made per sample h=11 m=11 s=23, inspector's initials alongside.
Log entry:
h=12 m=32 s=14
